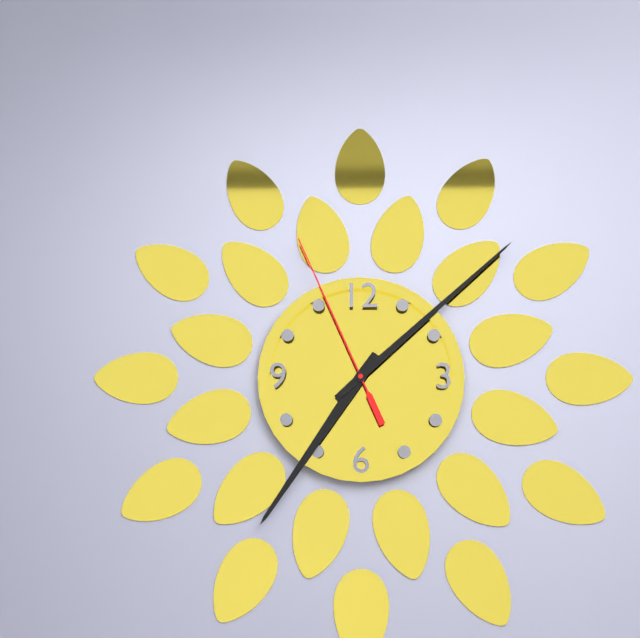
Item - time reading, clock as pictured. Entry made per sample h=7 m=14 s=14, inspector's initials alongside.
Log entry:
h=7 m=8 s=56
